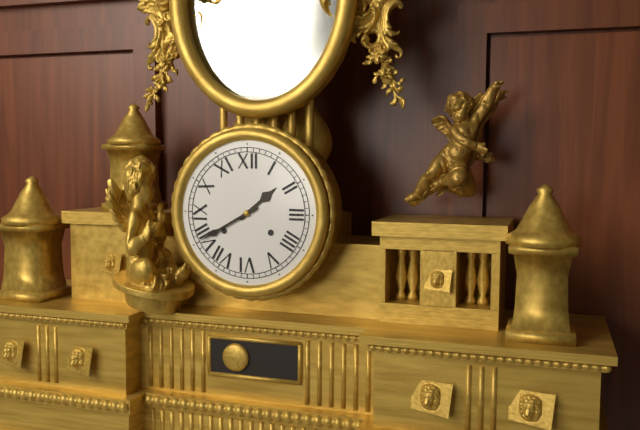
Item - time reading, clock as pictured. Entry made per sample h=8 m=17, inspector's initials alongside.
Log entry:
h=1 m=40
